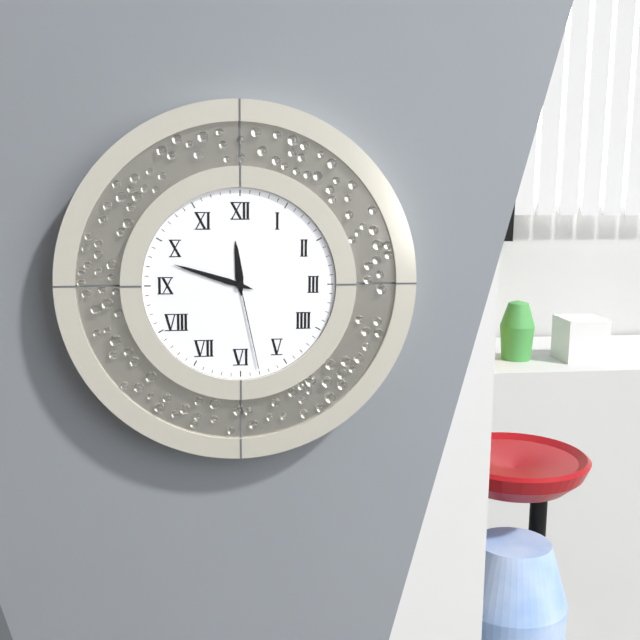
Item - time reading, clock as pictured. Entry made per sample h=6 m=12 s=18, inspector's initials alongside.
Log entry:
h=11 m=48 s=28
